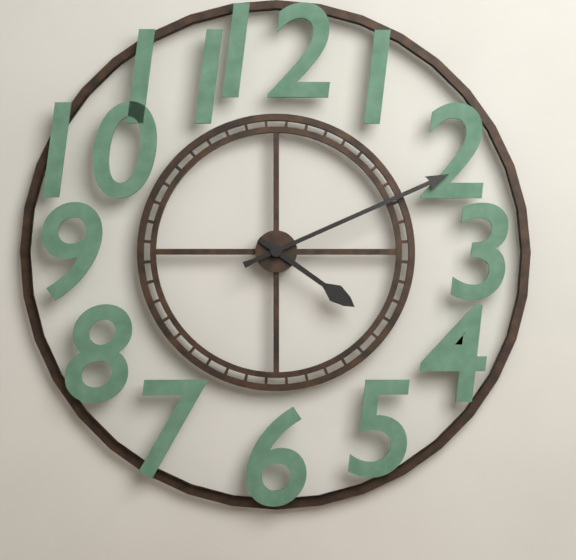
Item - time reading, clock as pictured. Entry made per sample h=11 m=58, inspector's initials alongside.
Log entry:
h=4 m=11
